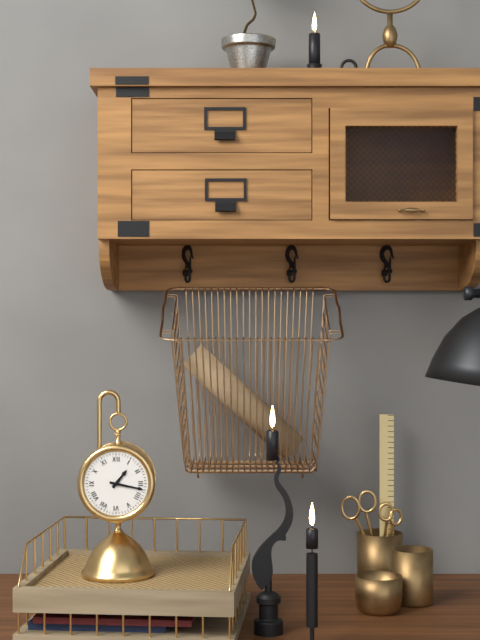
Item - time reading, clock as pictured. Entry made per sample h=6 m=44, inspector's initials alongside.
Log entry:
h=1 m=17
